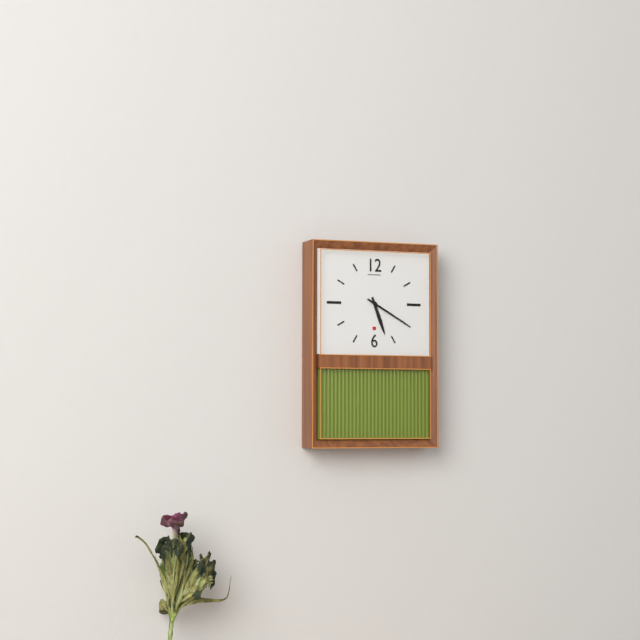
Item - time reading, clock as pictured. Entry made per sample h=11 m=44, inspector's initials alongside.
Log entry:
h=5 m=20
